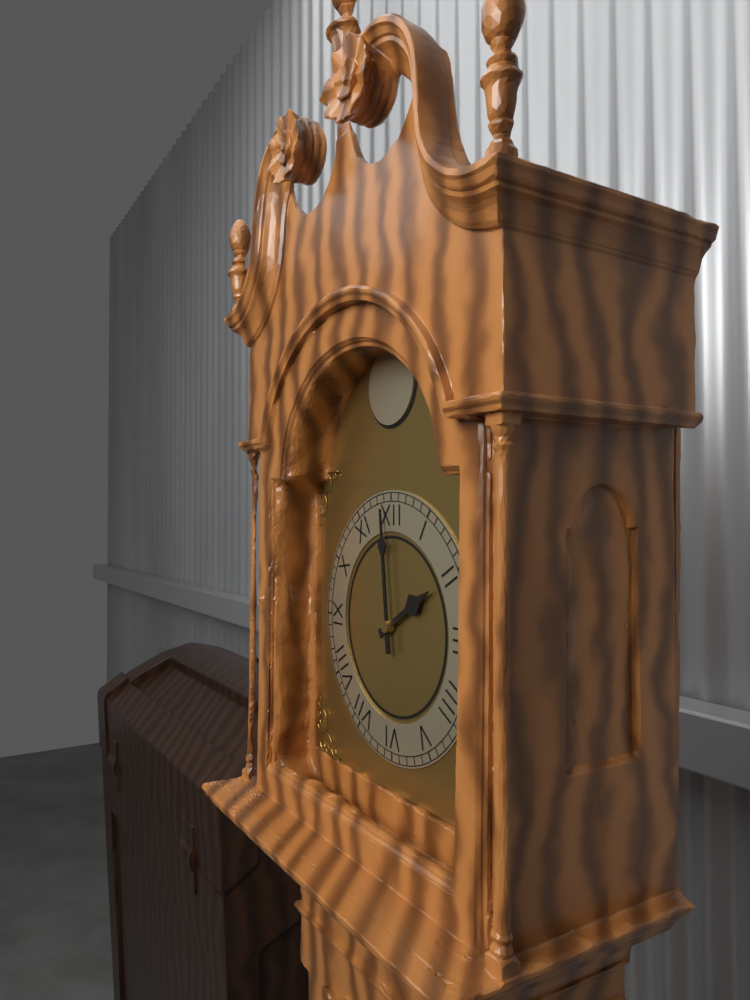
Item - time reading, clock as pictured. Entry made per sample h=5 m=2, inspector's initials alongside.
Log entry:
h=1 m=59
